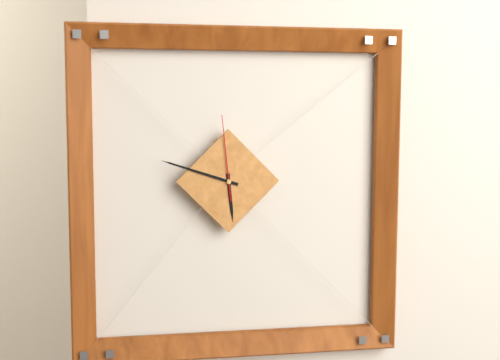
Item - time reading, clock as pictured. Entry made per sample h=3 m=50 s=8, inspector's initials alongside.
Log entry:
h=5 m=48 s=59
